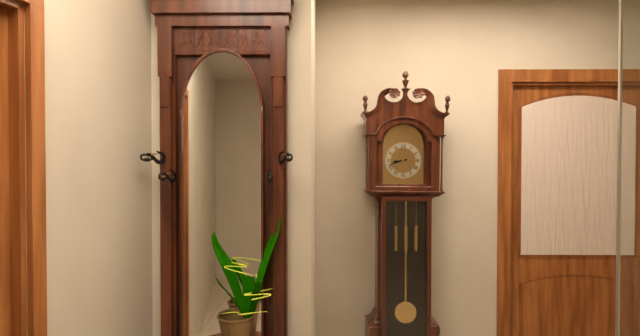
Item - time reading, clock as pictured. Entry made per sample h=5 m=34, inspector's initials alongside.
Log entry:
h=8 m=42
